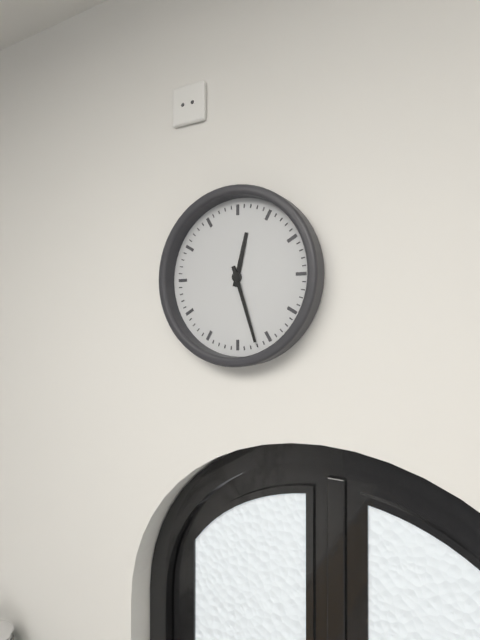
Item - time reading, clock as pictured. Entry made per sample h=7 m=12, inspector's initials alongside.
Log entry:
h=12 m=27
